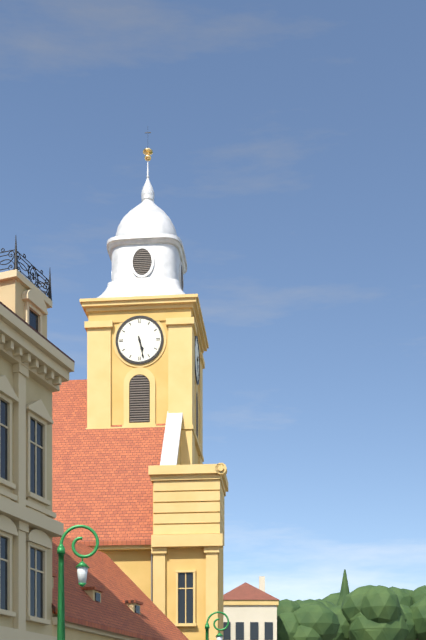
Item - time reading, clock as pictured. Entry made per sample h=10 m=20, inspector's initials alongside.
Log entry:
h=5 m=28
